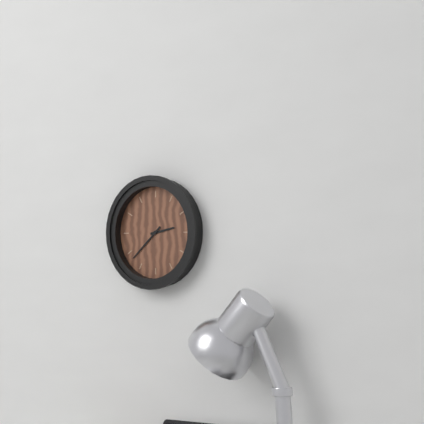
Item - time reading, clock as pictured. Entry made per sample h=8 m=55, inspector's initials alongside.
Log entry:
h=2 m=38
